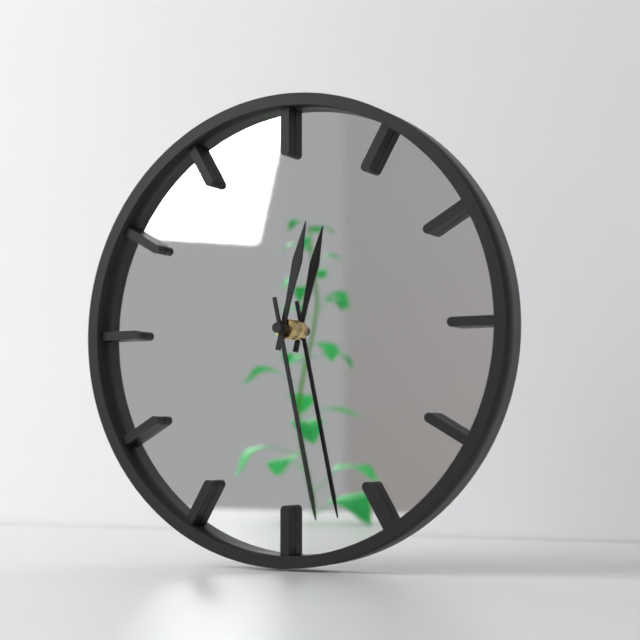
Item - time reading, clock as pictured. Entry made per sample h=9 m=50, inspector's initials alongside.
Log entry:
h=12 m=28
